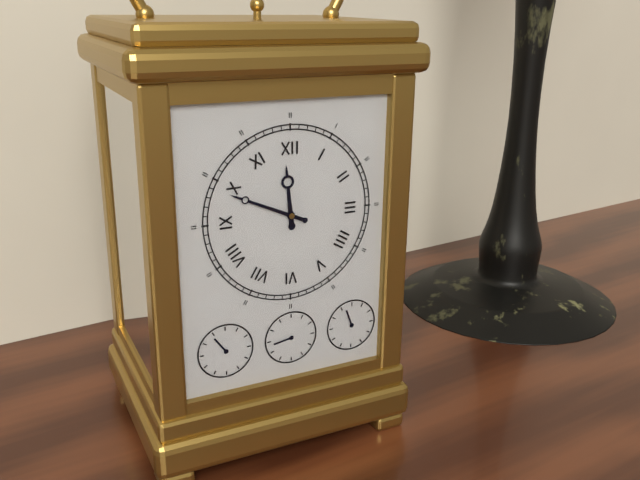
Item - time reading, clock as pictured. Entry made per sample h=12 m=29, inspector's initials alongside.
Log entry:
h=11 m=49
